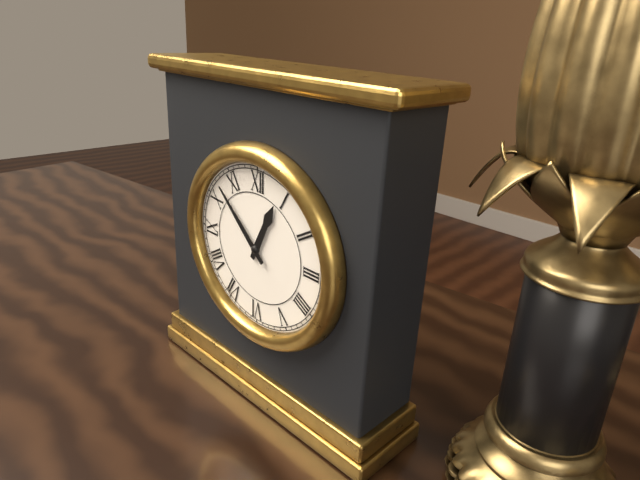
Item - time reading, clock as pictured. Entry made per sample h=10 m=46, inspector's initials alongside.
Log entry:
h=12 m=52
